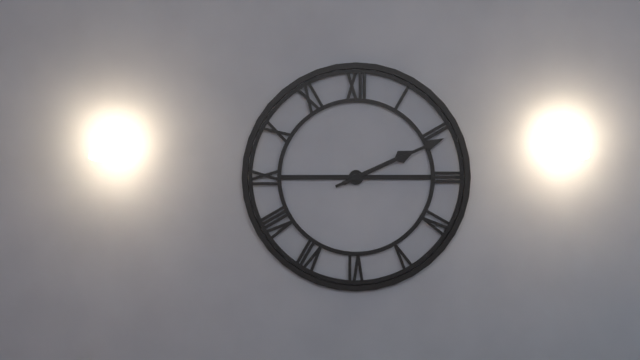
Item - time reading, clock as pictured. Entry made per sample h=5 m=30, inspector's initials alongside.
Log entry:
h=2 m=11
